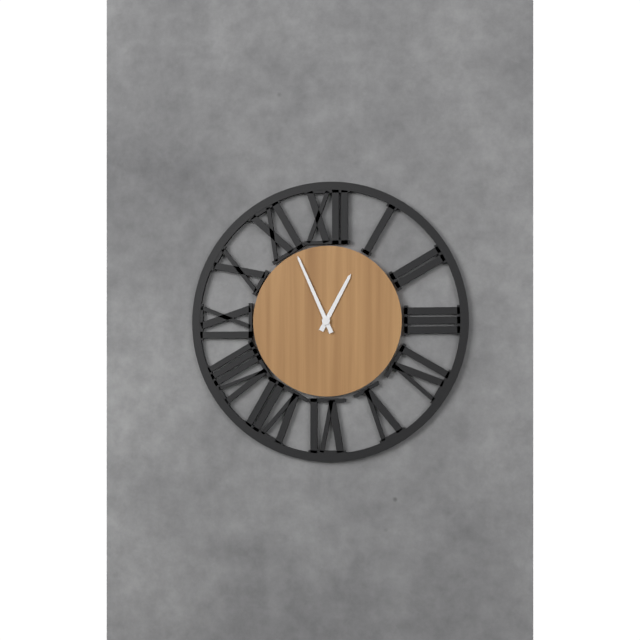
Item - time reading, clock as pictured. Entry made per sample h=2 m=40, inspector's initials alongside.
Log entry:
h=12 m=56
